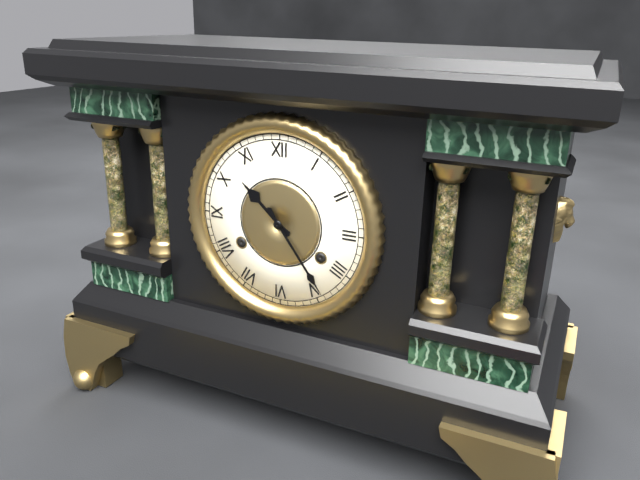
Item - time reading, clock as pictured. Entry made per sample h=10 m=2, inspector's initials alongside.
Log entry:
h=10 m=24
